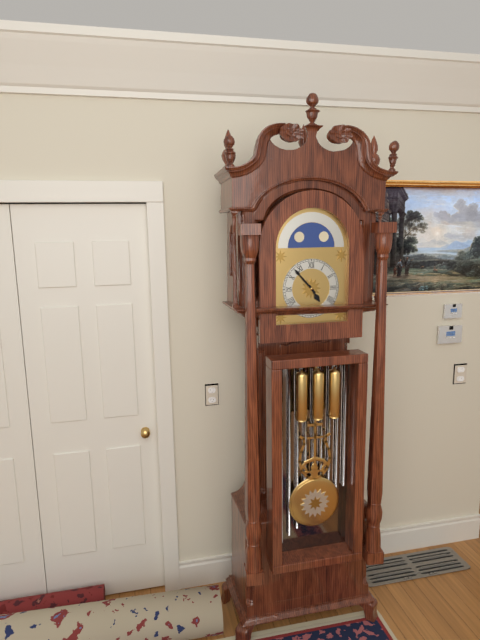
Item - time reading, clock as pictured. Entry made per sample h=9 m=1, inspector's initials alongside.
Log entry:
h=4 m=53
